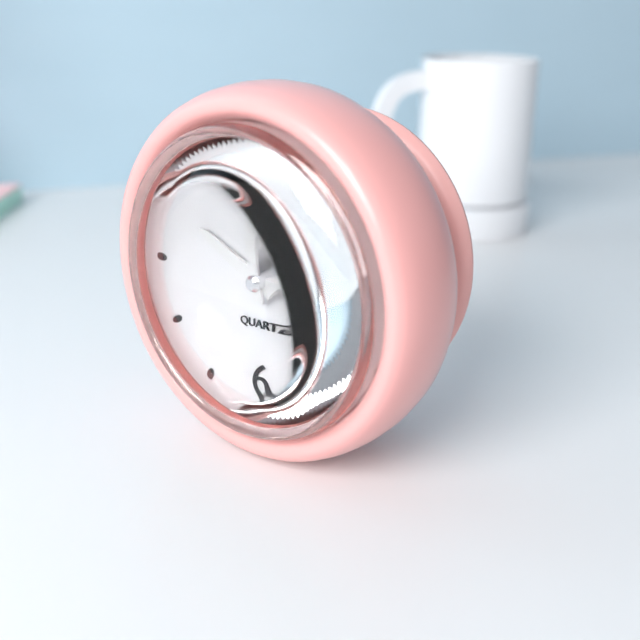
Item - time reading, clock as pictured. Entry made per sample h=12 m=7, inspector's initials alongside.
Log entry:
h=9 m=58
